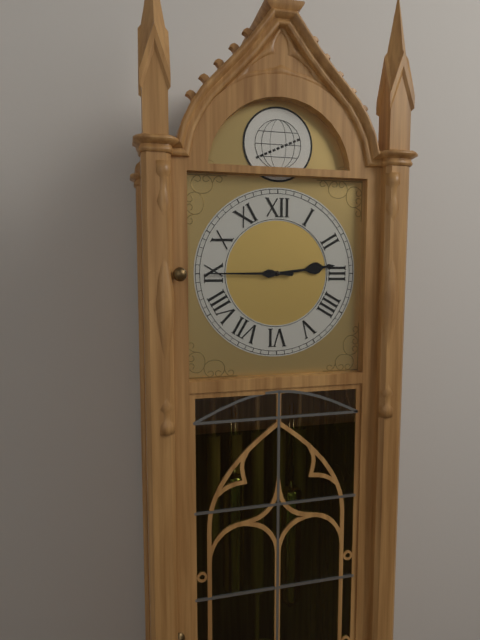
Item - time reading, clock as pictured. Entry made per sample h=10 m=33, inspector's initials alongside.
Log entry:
h=2 m=45
